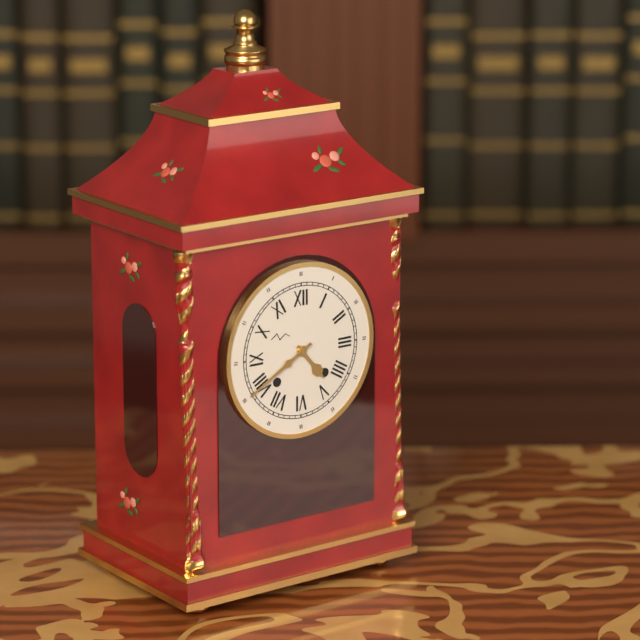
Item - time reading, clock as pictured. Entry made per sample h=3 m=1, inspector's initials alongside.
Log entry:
h=4 m=40
